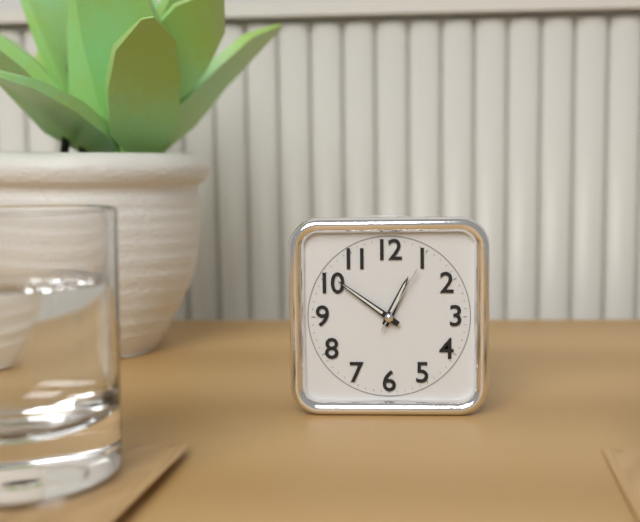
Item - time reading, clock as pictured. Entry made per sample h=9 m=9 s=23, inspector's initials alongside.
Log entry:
h=12 m=51 s=5
